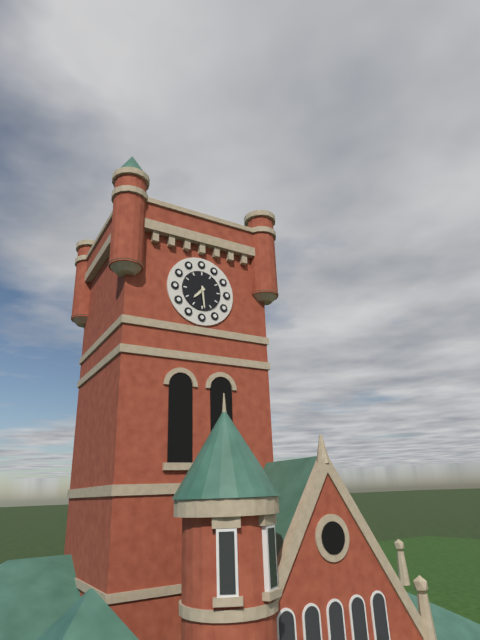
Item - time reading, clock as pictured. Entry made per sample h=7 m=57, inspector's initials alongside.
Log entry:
h=7 m=29
